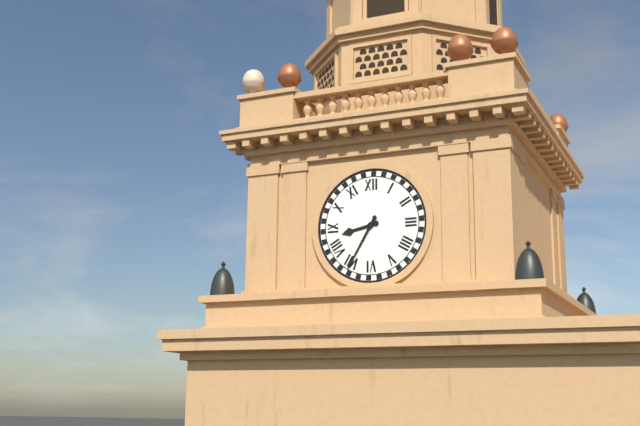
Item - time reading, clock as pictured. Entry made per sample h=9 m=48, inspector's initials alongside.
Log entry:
h=8 m=35
